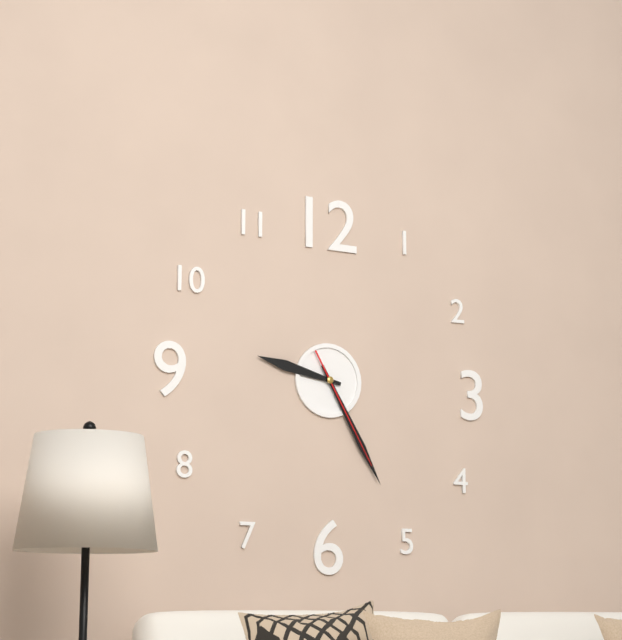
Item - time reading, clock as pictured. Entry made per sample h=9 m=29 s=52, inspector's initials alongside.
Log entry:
h=9 m=25 s=25
